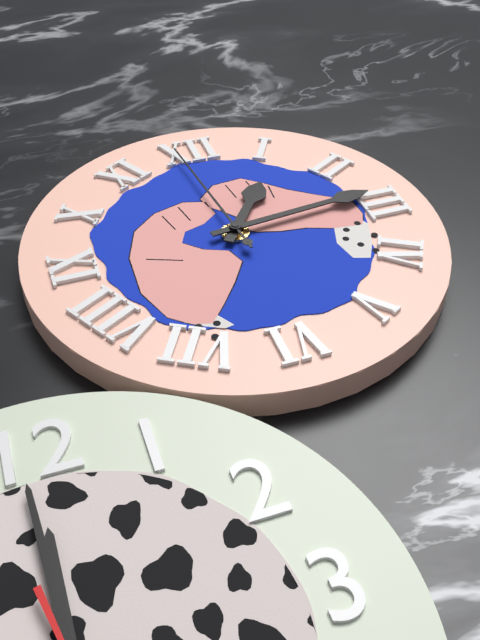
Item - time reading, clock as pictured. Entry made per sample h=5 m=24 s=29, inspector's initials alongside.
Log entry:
h=1 m=14 s=59
